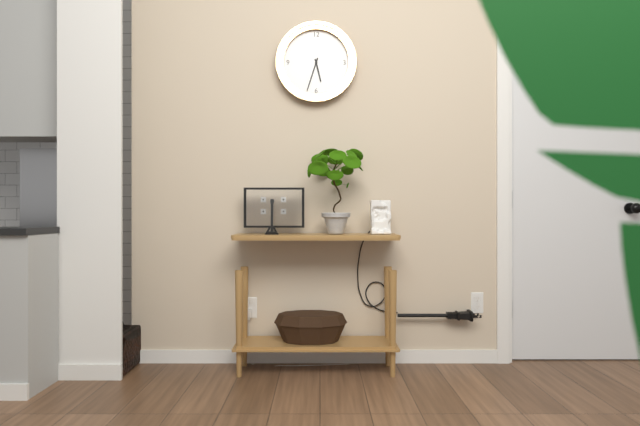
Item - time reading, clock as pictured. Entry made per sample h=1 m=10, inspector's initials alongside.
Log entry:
h=5 m=33
